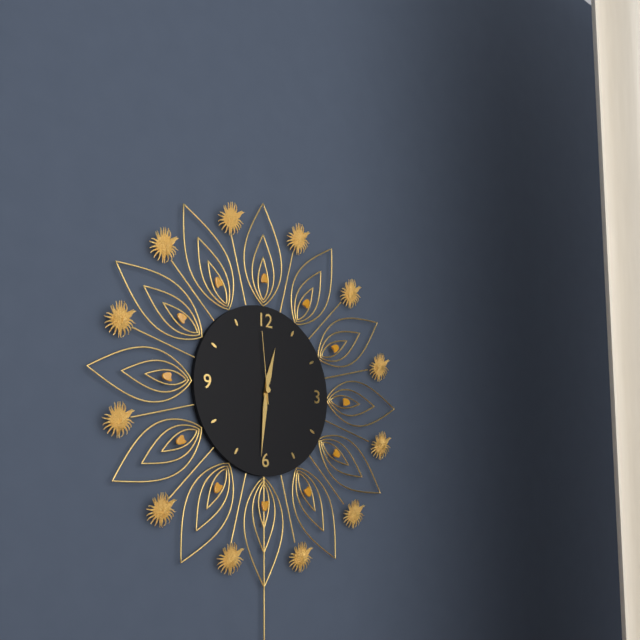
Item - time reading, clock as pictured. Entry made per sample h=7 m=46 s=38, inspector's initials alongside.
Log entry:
h=12 m=31 s=59
